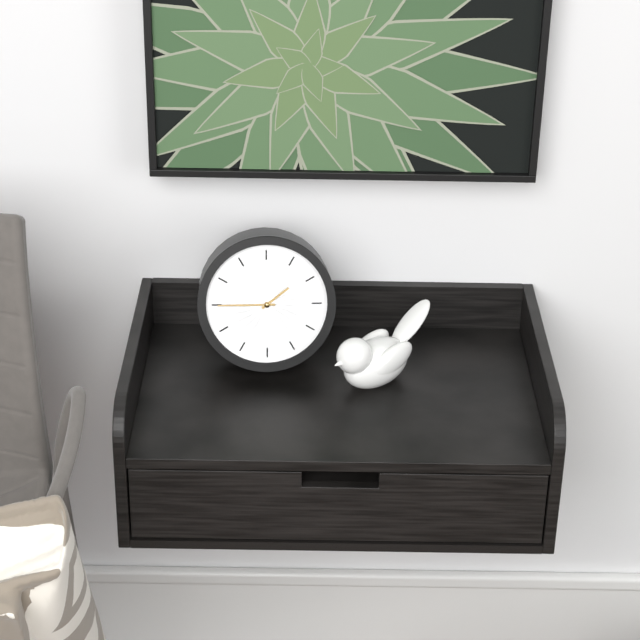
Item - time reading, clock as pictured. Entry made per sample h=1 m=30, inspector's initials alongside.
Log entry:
h=1 m=45
